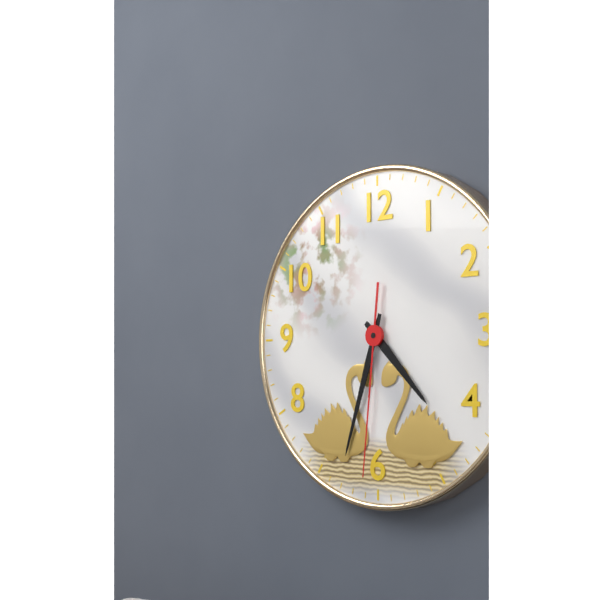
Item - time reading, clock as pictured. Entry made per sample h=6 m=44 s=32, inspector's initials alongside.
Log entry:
h=4 m=33 s=31
